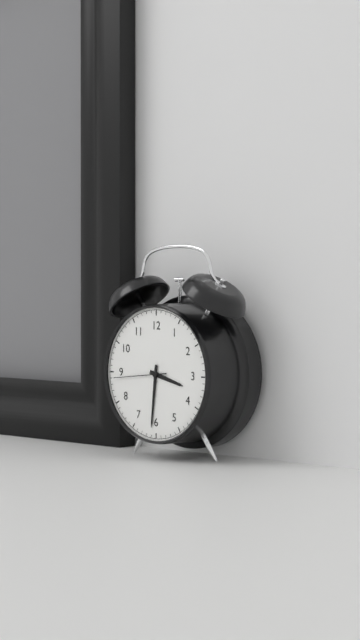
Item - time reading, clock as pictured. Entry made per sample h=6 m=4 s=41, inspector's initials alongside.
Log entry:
h=3 m=31 s=44
